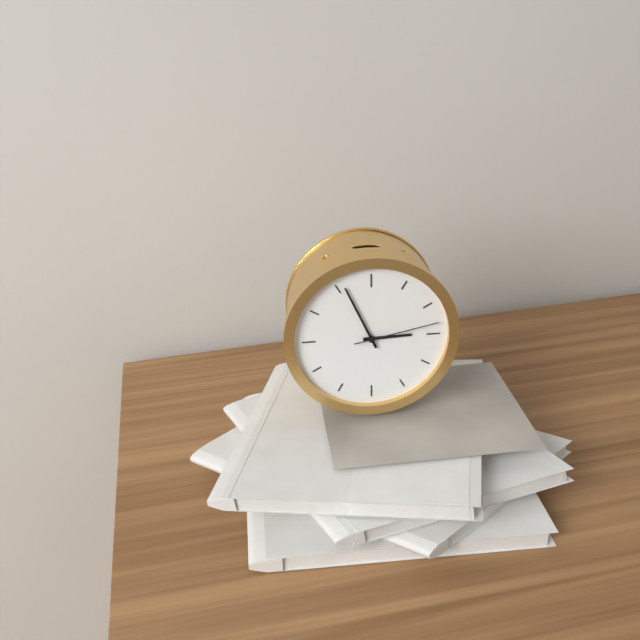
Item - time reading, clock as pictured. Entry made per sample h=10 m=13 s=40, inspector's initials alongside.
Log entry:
h=2 m=56 s=13
